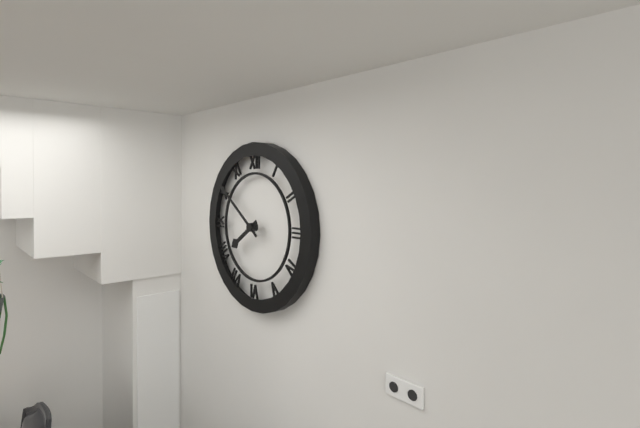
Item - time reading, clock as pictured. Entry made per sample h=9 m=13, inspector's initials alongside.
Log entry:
h=7 m=51
